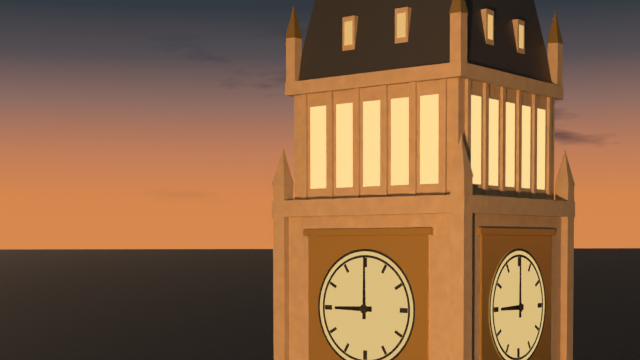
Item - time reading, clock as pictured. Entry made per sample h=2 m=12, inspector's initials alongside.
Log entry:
h=9 m=0
